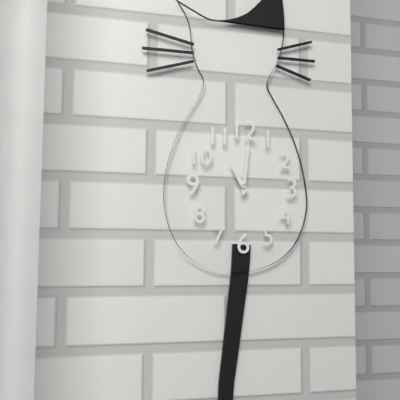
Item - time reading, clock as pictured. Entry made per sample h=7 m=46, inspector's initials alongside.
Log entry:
h=11 m=1
